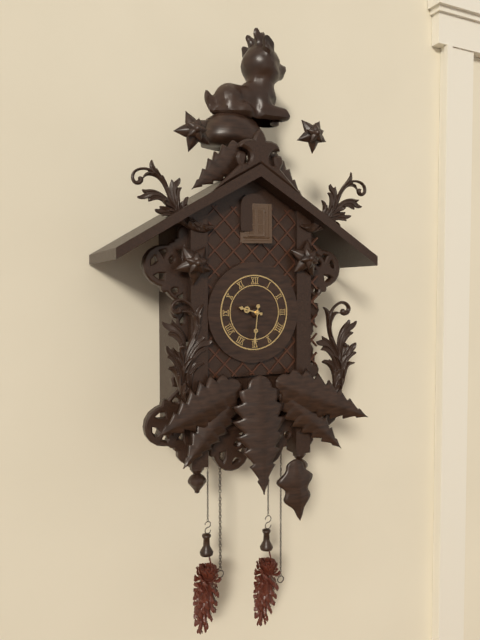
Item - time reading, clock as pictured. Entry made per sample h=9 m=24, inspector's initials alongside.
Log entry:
h=9 m=31
